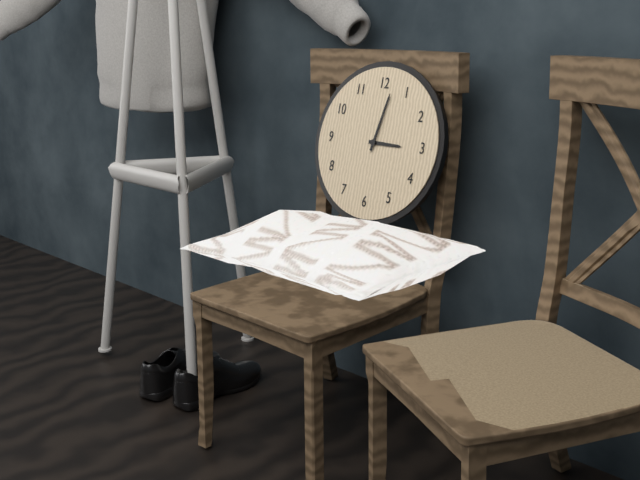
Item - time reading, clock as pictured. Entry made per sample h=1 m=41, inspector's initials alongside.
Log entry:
h=3 m=2
